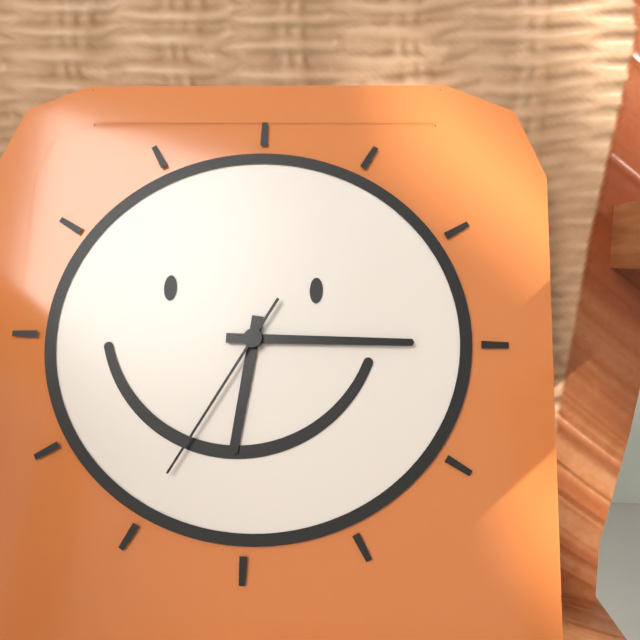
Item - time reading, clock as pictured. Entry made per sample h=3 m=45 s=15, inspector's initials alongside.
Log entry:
h=6 m=15 s=35
